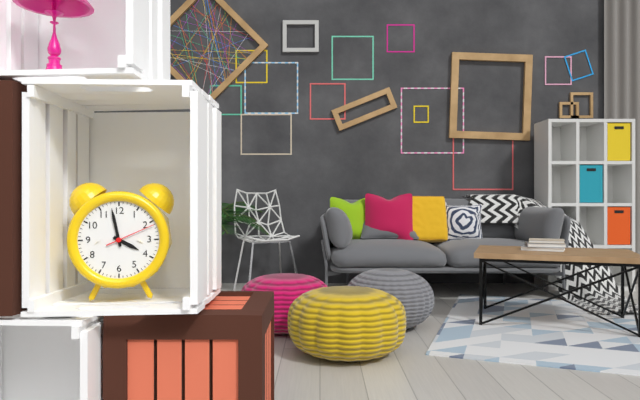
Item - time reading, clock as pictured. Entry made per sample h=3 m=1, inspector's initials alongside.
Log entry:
h=3 m=58
